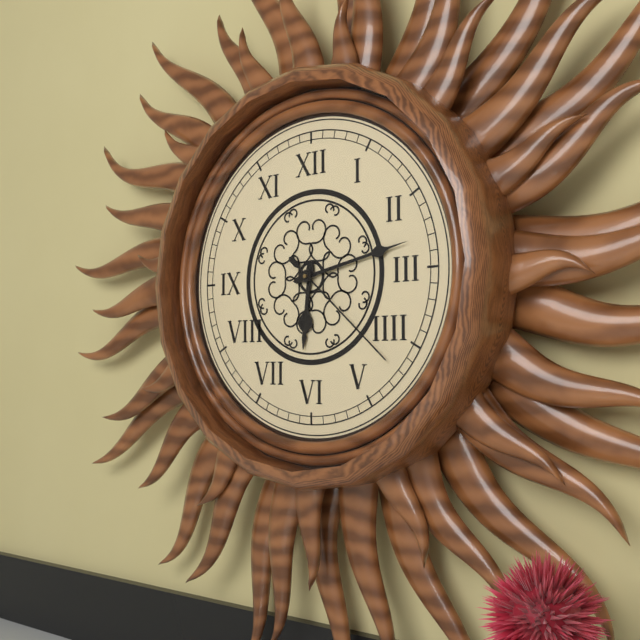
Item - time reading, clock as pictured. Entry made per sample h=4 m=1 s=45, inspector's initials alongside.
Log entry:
h=6 m=13 s=22
